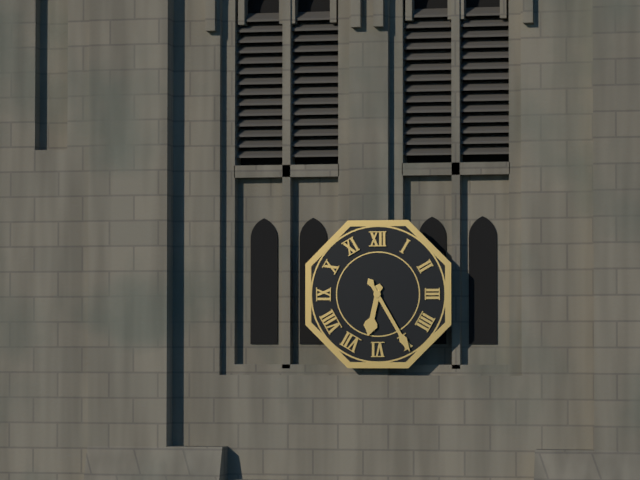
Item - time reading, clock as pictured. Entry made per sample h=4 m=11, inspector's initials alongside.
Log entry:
h=6 m=25
